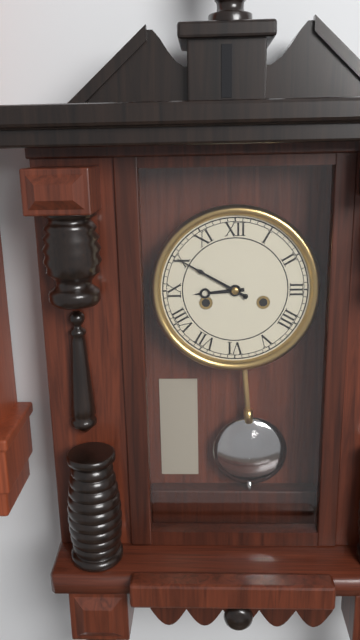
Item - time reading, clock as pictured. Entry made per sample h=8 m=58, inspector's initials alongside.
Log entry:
h=8 m=50
